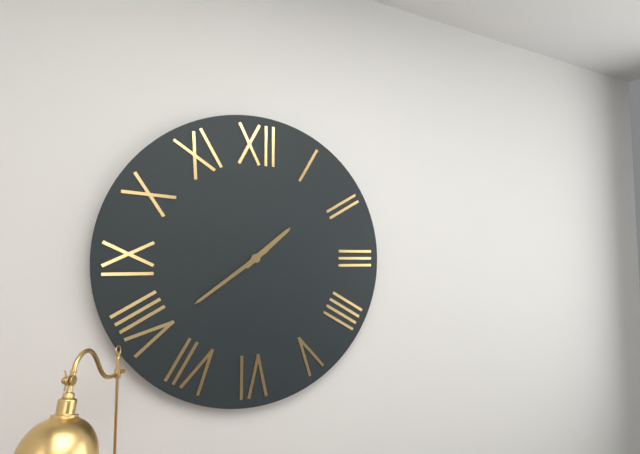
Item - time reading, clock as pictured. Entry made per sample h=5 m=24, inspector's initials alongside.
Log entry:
h=1 m=39
